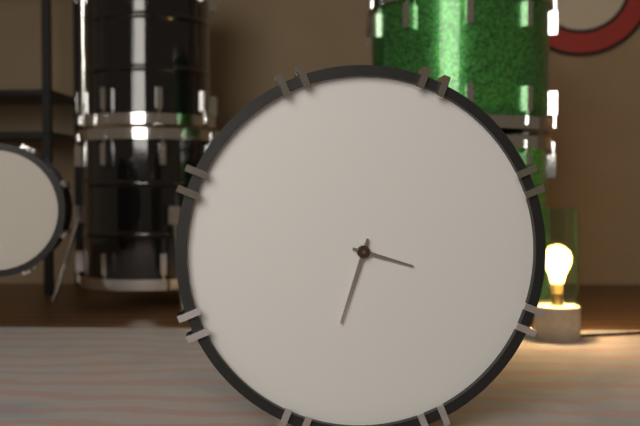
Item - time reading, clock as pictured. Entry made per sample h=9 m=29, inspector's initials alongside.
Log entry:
h=3 m=33
